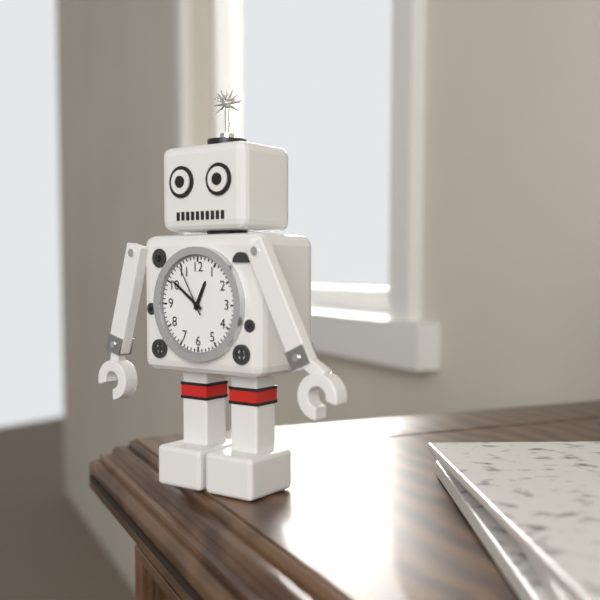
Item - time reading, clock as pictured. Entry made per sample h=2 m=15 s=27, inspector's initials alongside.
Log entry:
h=12 m=51 s=55
